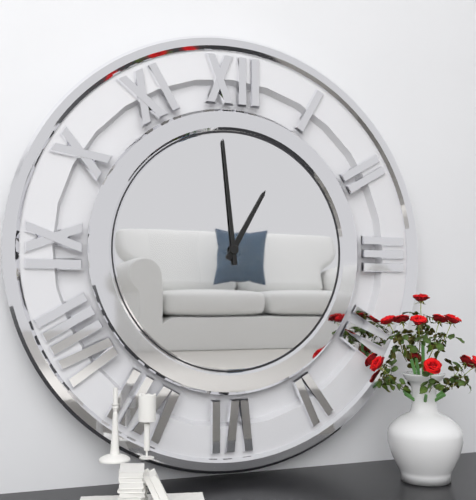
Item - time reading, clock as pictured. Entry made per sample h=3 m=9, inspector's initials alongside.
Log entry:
h=12 m=59
